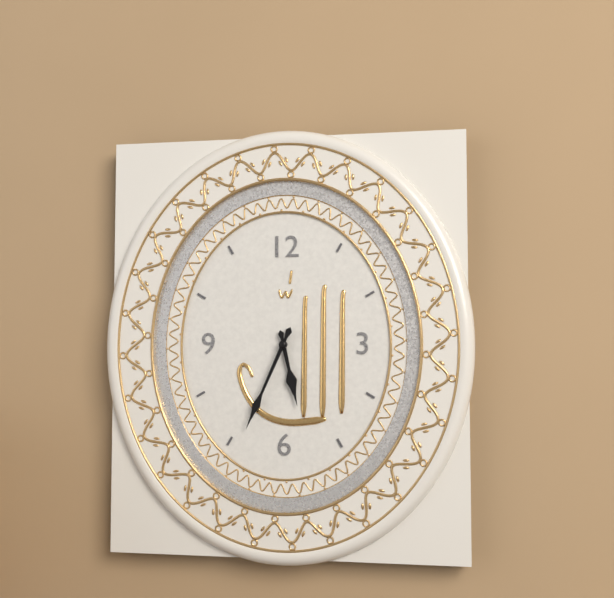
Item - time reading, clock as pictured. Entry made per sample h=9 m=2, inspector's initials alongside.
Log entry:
h=5 m=34
